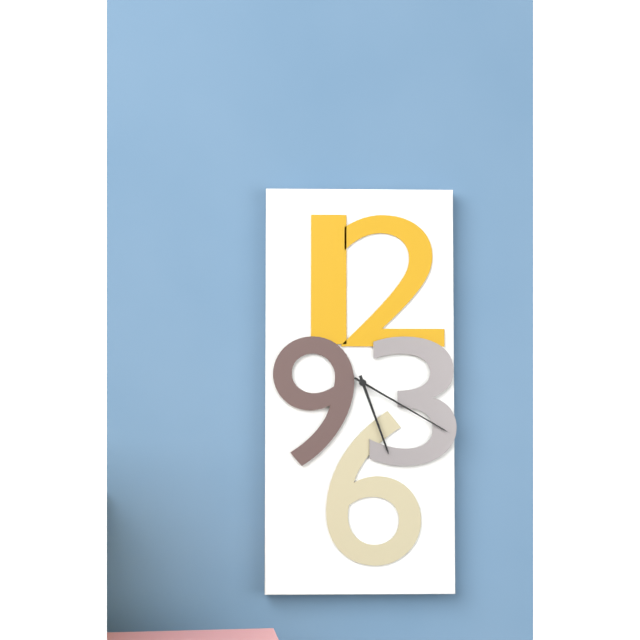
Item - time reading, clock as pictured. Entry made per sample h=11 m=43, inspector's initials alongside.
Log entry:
h=5 m=20
